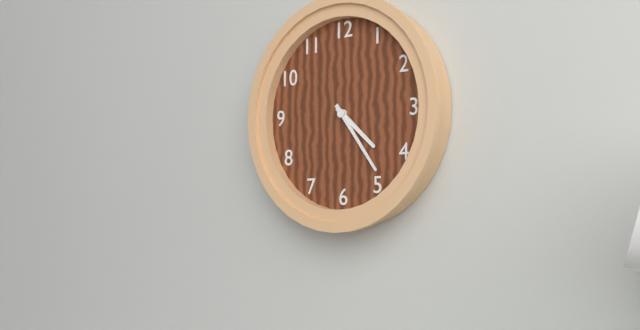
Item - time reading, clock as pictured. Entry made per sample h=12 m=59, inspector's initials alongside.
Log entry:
h=4 m=24
